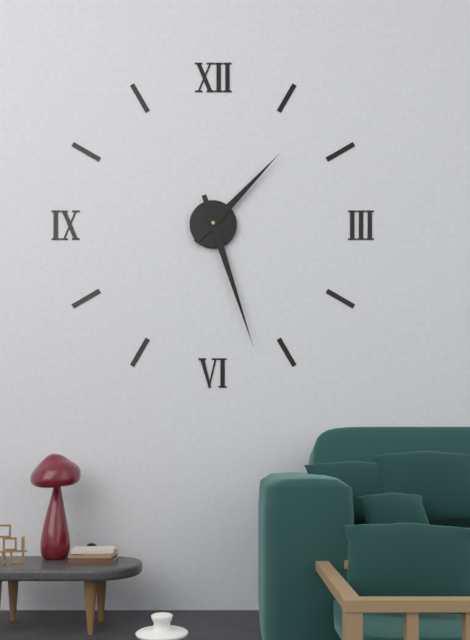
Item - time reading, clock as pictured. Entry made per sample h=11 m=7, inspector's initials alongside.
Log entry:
h=1 m=27
